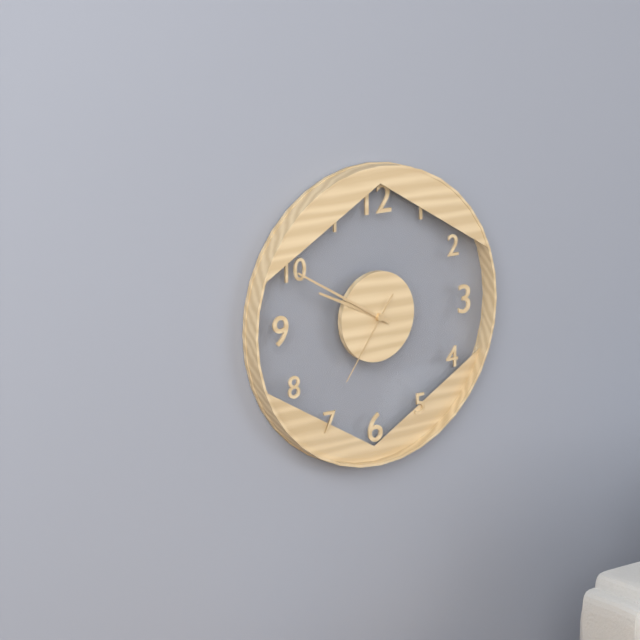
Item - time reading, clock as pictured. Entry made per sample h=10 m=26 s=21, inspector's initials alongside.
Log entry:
h=9 m=50 s=36
